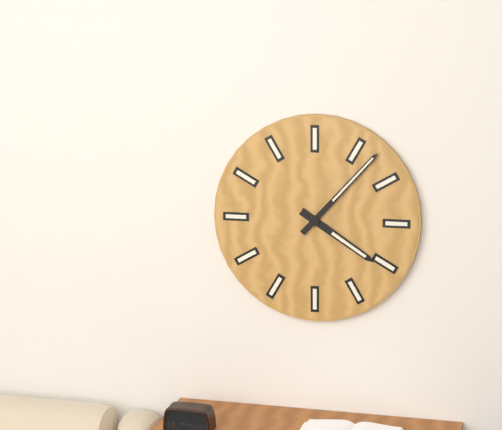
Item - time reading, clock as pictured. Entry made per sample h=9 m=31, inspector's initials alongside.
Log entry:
h=4 m=7
